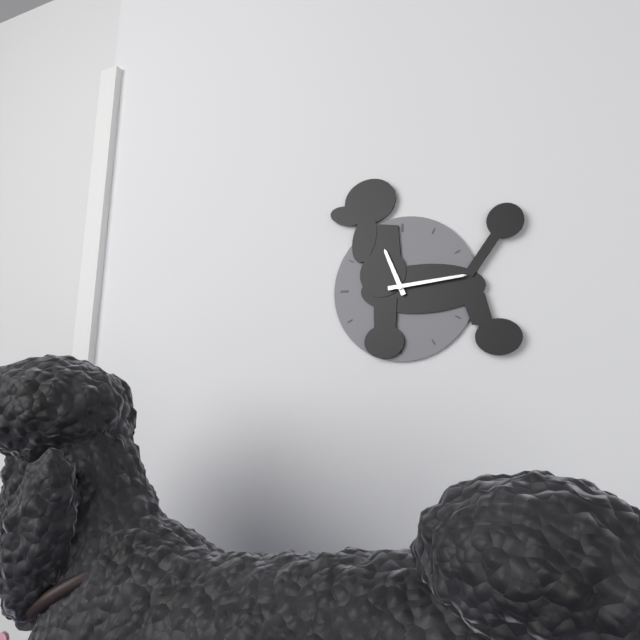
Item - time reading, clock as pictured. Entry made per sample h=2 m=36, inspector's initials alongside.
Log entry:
h=11 m=14
